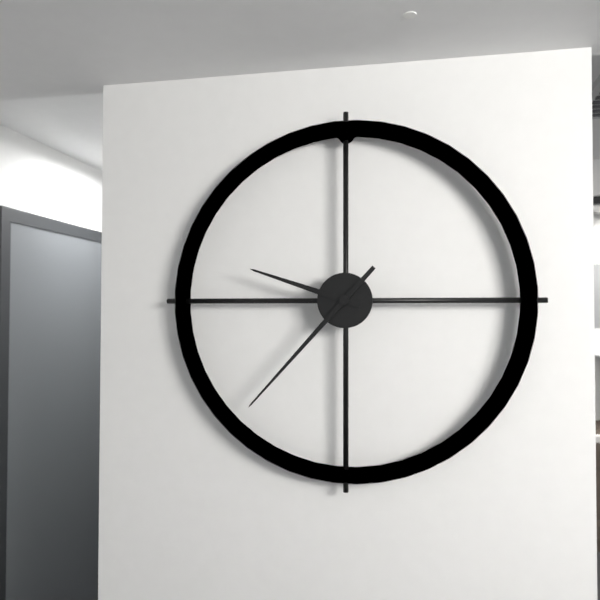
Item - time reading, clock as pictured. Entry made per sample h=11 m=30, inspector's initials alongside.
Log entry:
h=9 m=37
